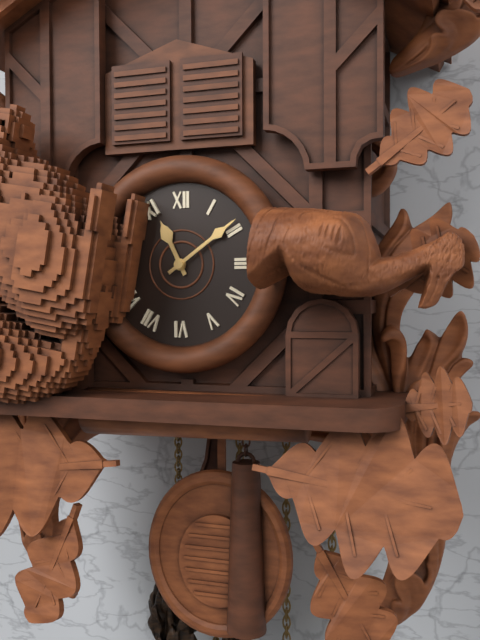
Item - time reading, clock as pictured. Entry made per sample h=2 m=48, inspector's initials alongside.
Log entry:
h=11 m=9
